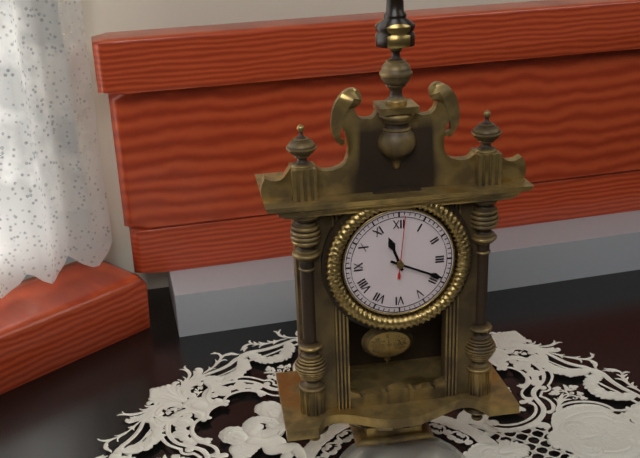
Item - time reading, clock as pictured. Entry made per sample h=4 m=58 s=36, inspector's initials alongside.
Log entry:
h=11 m=19 s=1
